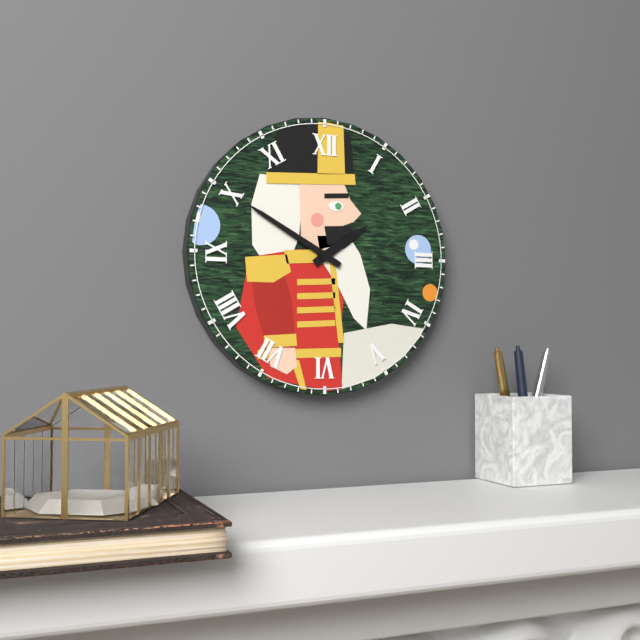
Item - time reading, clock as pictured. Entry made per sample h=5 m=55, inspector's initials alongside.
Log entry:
h=1 m=50
